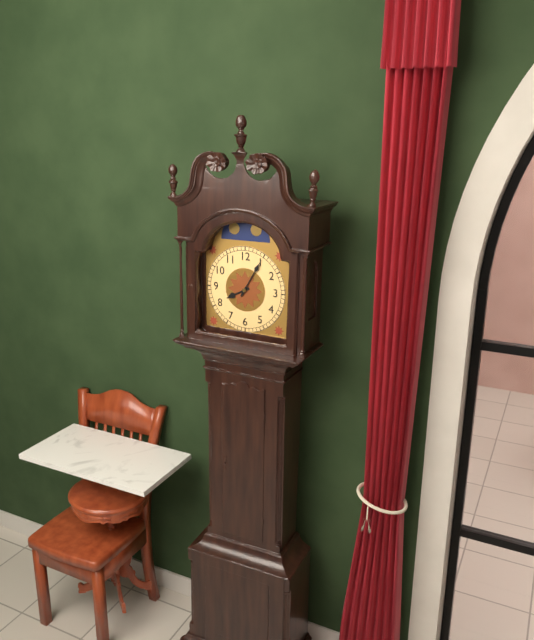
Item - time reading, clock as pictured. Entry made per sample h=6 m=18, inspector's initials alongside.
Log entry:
h=8 m=5
